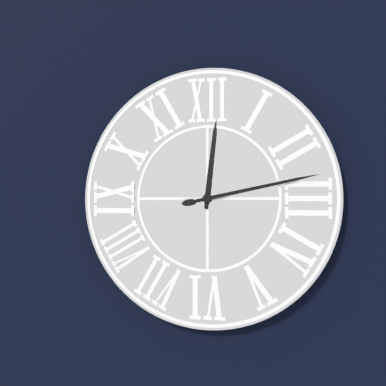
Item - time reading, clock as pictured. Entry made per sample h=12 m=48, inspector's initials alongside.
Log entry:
h=12 m=13
